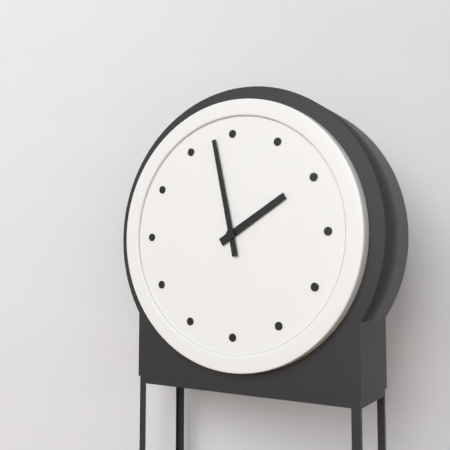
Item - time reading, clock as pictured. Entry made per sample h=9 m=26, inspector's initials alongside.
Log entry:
h=1 m=58
